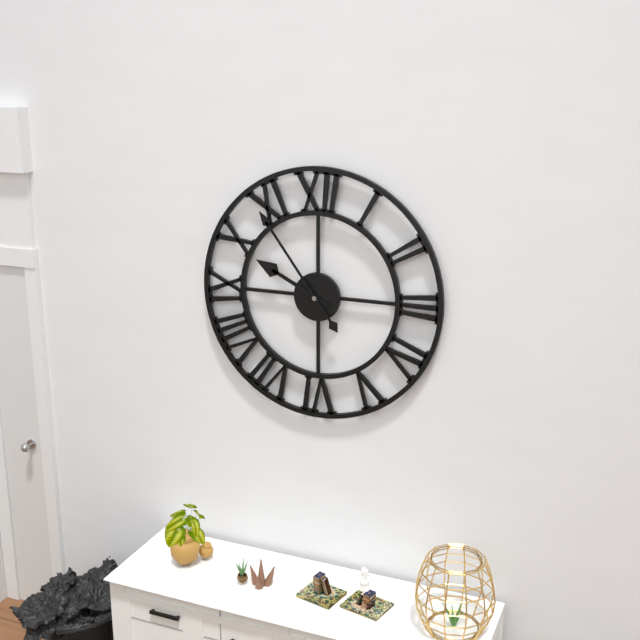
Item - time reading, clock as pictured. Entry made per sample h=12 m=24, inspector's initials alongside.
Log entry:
h=9 m=54
